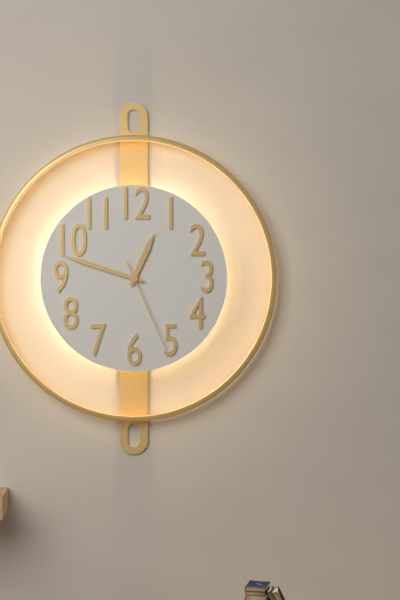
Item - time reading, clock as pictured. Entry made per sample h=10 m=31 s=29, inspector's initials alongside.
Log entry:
h=12 m=48 s=26
